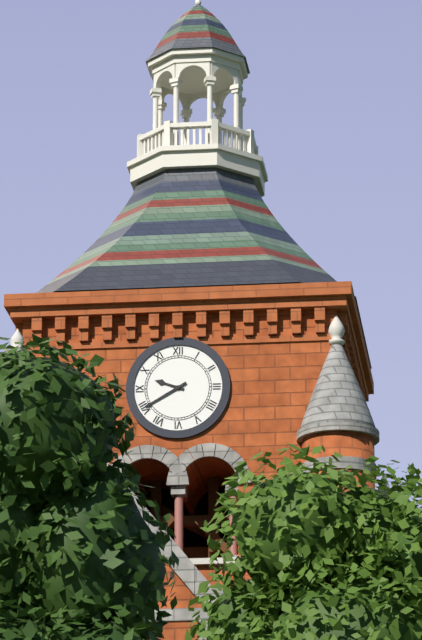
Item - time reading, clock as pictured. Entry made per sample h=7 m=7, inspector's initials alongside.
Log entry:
h=9 m=40
